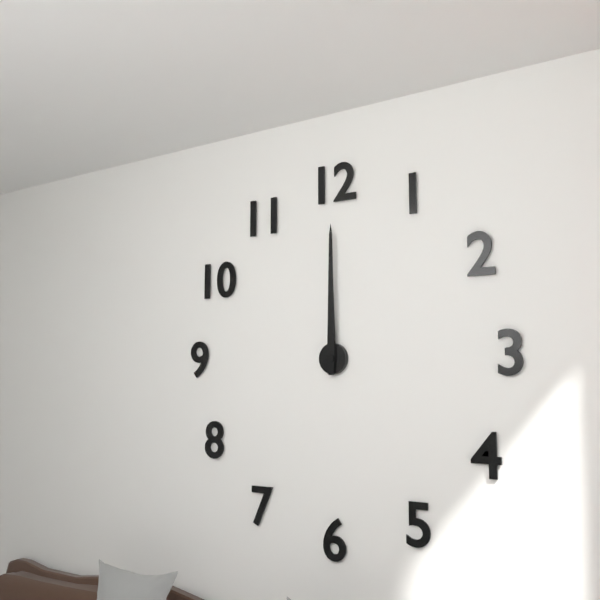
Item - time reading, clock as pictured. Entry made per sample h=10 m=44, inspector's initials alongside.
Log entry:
h=12 m=0
